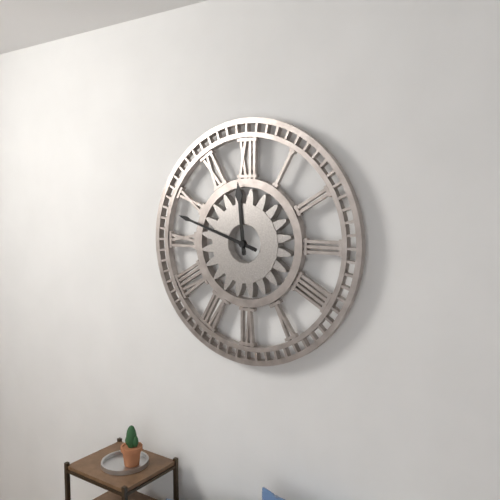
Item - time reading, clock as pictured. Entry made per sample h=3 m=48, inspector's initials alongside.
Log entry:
h=11 m=48
